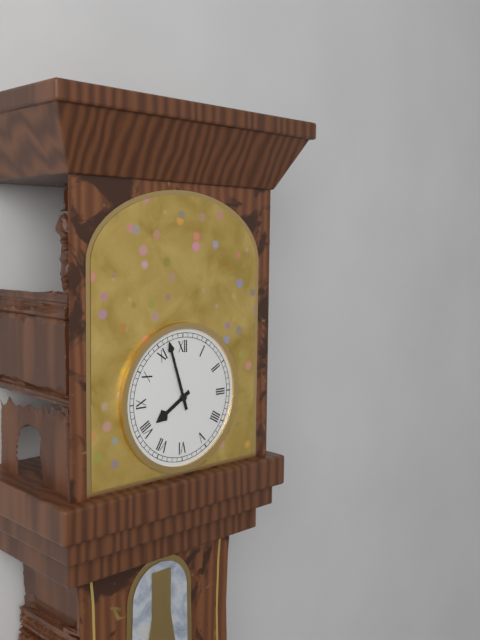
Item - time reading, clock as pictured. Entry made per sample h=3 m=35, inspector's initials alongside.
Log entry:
h=7 m=57
